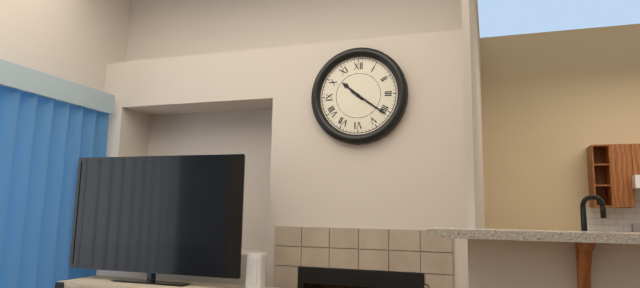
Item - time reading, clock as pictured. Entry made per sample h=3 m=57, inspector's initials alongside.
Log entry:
h=10 m=21
